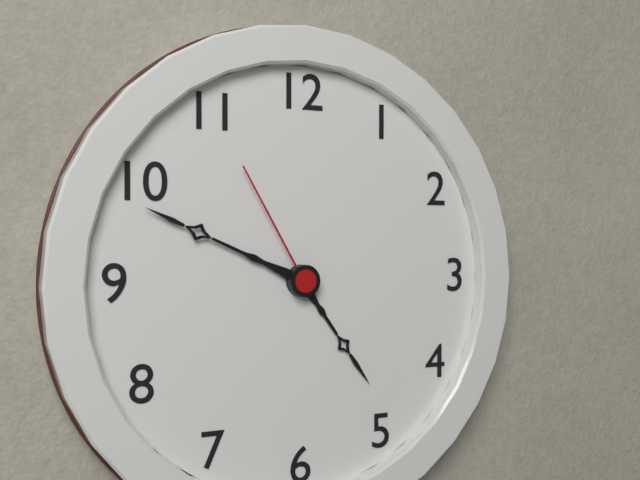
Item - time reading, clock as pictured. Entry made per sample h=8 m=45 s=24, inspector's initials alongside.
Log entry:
h=4 m=49 s=55
